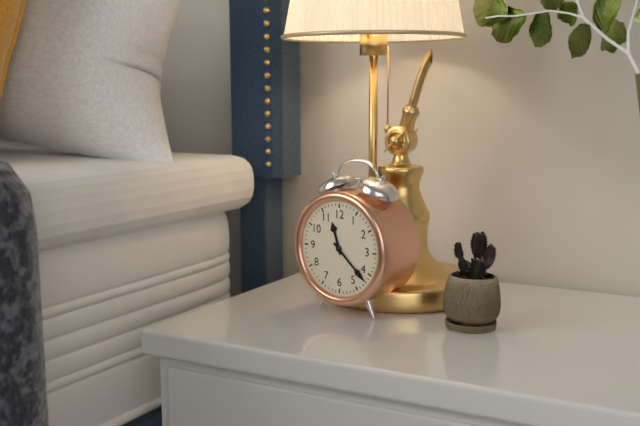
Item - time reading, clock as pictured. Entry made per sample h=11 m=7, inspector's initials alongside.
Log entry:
h=11 m=22
